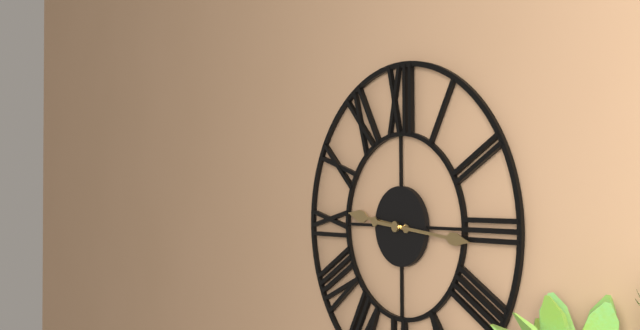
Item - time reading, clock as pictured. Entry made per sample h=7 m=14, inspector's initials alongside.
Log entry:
h=9 m=16
